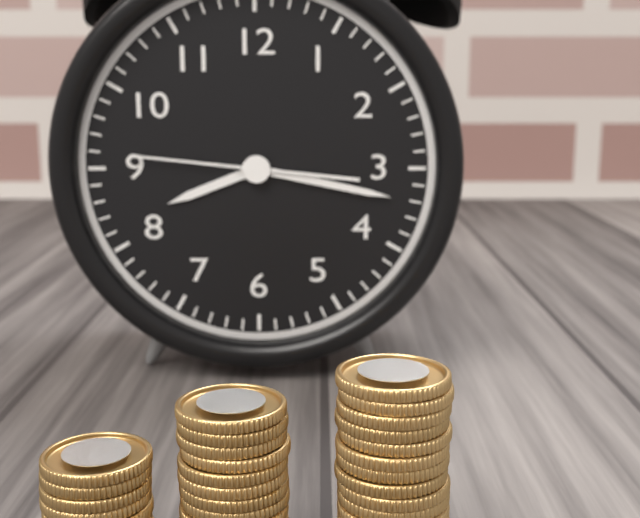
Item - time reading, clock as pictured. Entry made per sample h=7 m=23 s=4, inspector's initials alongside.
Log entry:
h=8 m=17 s=46
